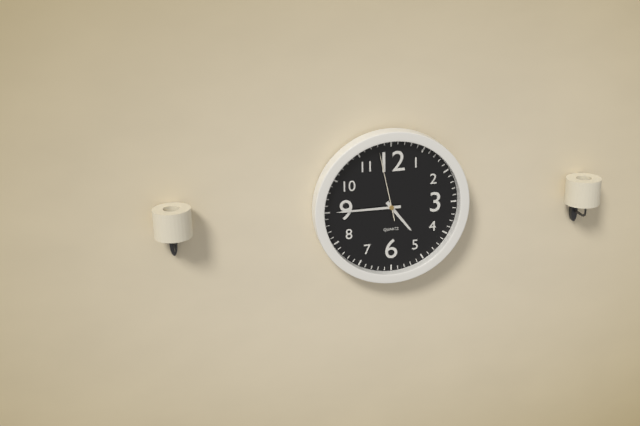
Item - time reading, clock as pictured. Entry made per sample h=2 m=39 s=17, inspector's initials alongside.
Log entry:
h=4 m=45 s=58
